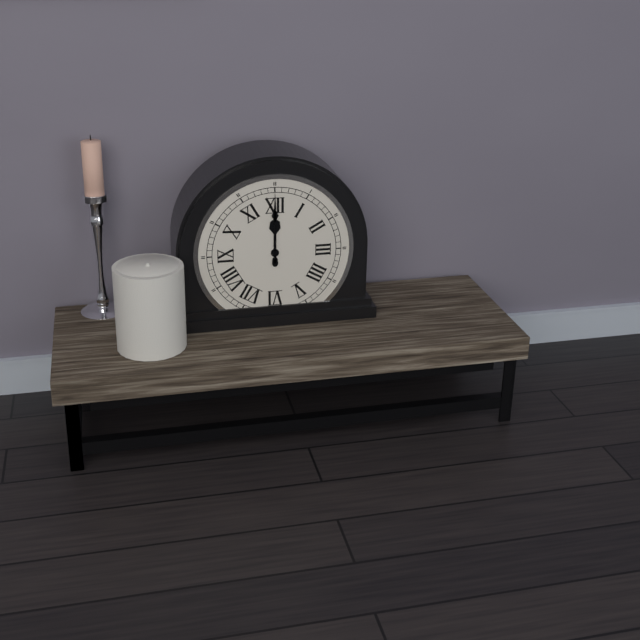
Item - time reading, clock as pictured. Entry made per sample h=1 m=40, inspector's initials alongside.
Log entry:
h=12 m=0
